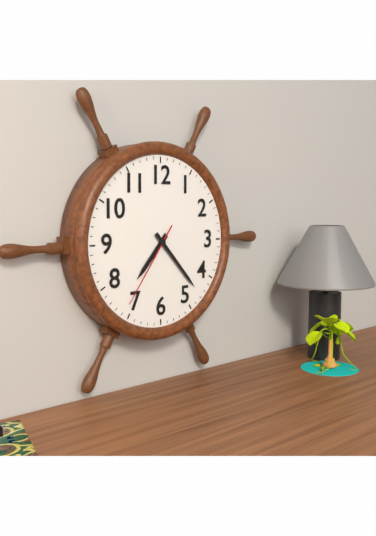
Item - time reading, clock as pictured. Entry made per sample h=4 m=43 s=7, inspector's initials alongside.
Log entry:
h=7 m=23 s=36
